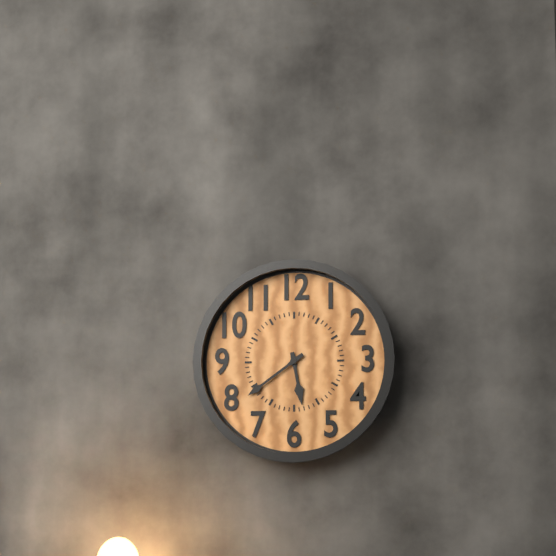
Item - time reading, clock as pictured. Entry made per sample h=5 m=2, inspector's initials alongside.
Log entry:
h=5 m=39
